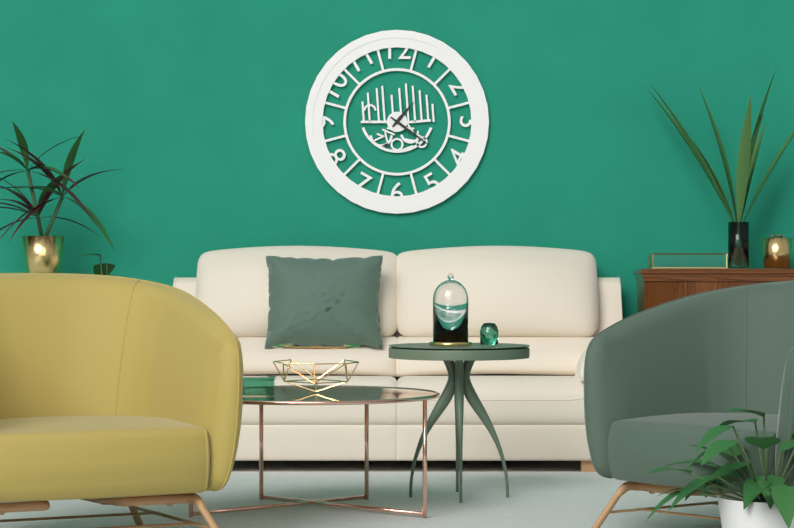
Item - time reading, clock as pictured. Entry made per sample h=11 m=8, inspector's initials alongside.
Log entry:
h=1 m=21
